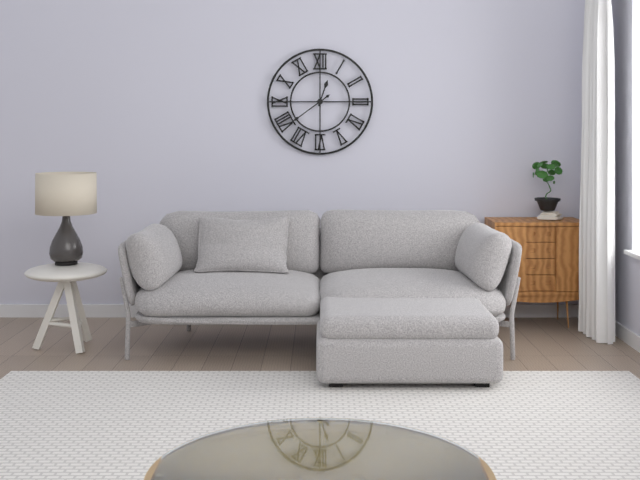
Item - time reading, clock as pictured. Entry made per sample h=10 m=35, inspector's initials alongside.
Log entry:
h=12 m=39
